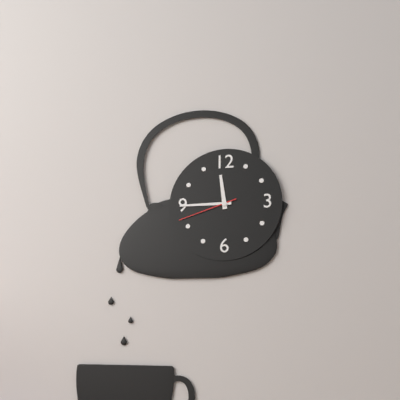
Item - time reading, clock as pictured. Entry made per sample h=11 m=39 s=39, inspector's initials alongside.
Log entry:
h=11 m=45 s=42
